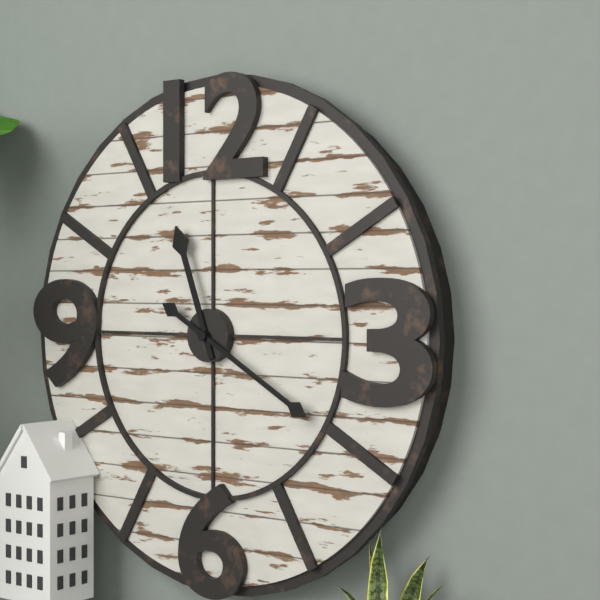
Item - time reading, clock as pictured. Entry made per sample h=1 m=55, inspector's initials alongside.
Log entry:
h=11 m=20
